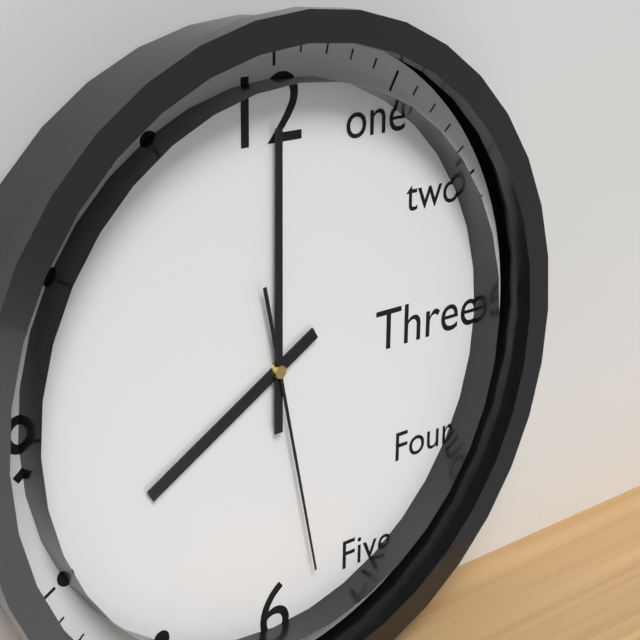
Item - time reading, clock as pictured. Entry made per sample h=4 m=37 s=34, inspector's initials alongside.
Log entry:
h=8 m=0 s=28
